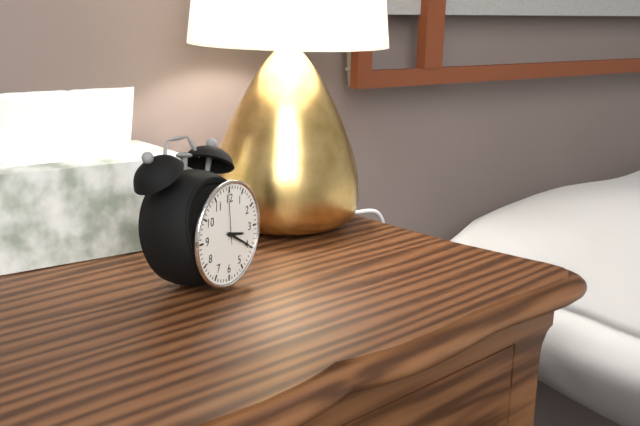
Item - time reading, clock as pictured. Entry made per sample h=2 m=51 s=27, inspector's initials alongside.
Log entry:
h=3 m=20 s=59
